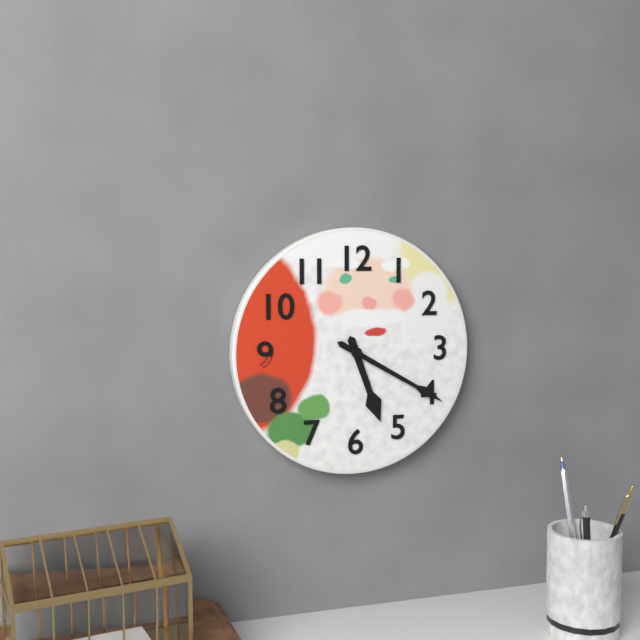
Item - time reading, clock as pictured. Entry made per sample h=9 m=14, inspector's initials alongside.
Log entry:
h=5 m=20
